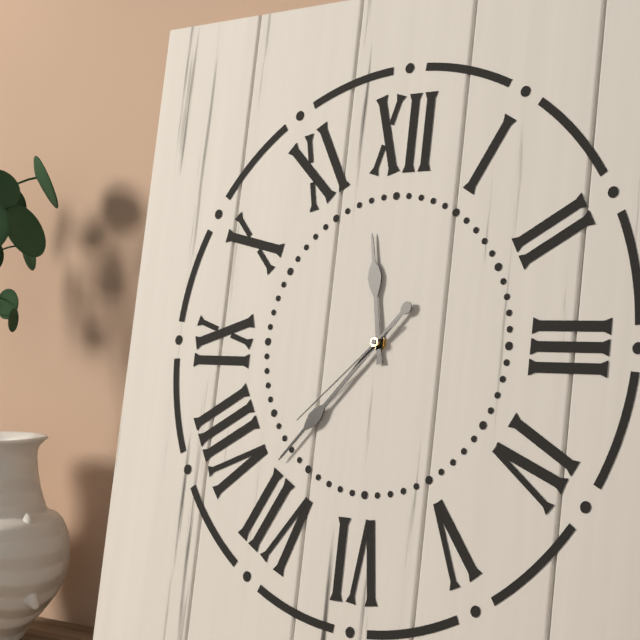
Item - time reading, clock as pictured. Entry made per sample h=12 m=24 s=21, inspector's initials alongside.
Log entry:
h=11 m=37 s=38
